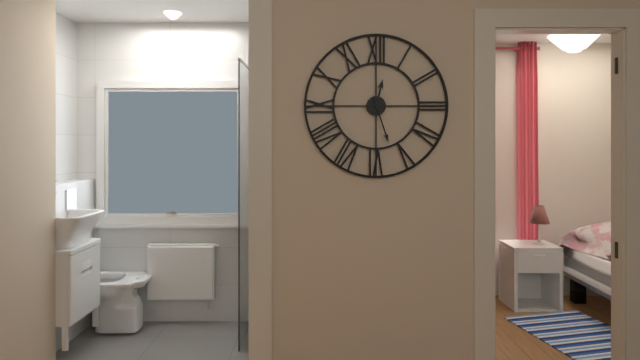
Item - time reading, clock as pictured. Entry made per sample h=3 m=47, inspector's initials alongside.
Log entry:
h=12 m=27
